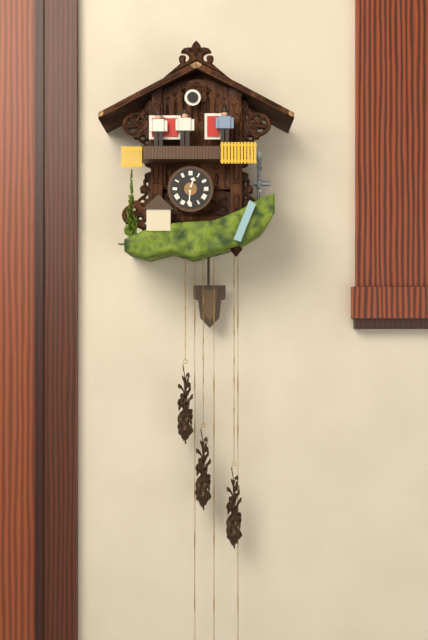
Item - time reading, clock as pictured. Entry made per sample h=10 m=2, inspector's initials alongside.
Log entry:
h=12 m=31
